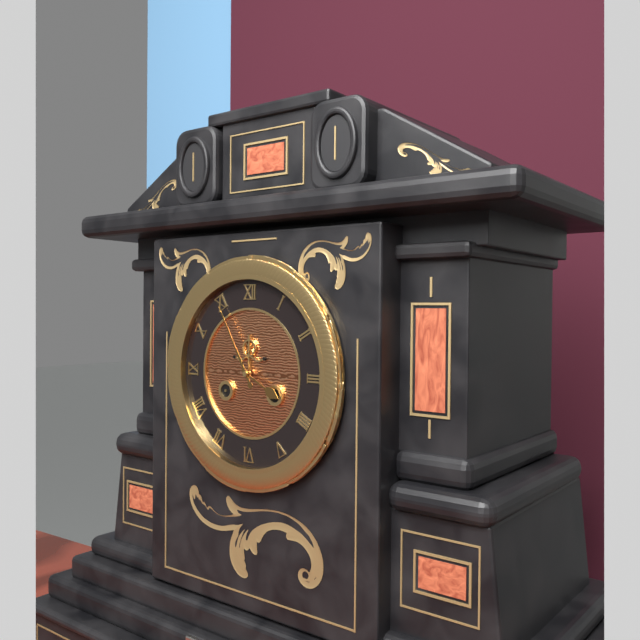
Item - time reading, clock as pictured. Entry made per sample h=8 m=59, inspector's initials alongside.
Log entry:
h=3 m=55
